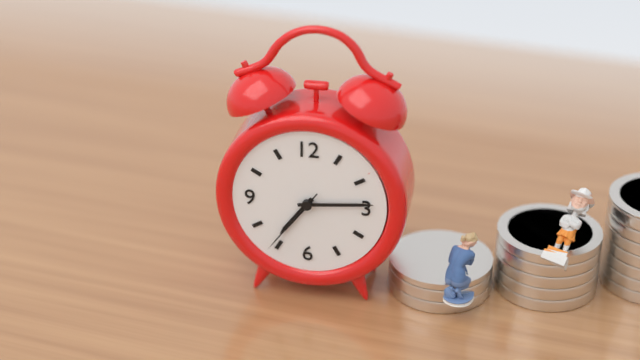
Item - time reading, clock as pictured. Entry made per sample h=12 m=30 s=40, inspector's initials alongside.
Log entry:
h=7 m=14 s=36
